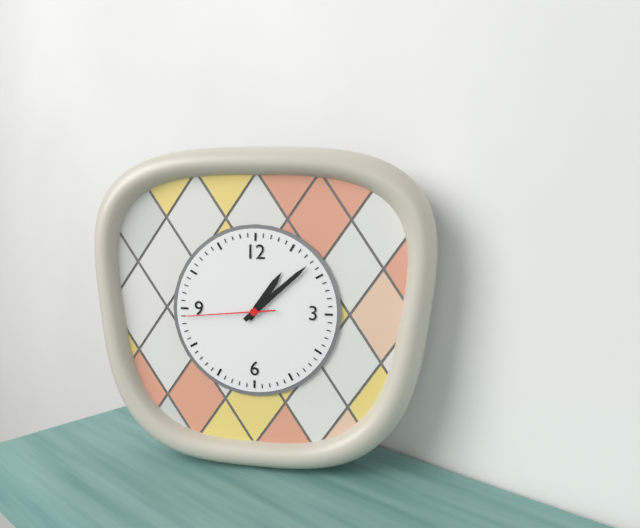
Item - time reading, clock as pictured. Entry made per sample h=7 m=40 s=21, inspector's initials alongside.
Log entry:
h=1 m=8 s=44
